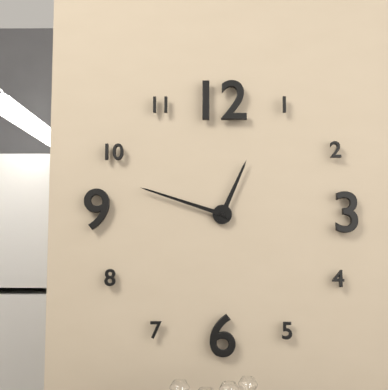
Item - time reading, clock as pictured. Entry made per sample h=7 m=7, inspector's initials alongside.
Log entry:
h=12 m=48
